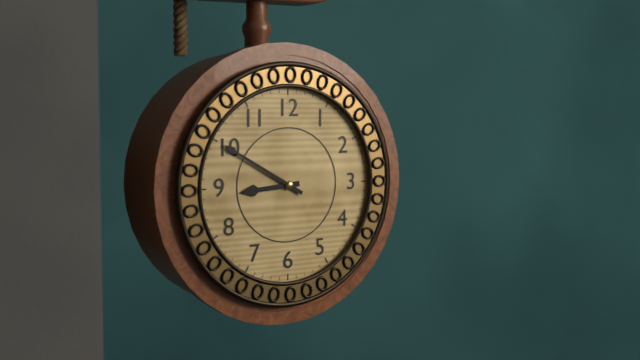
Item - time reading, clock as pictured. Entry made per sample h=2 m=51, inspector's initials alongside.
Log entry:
h=8 m=50
